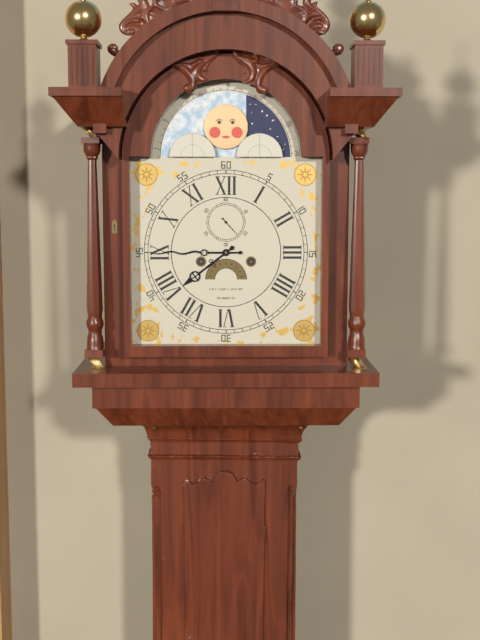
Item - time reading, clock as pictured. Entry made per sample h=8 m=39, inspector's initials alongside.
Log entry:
h=7 m=45
